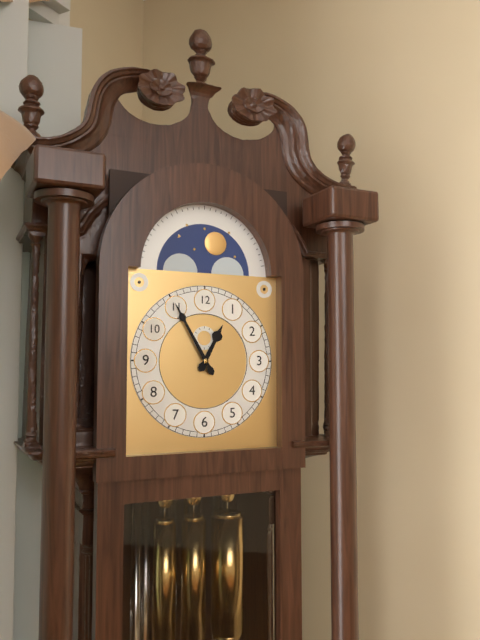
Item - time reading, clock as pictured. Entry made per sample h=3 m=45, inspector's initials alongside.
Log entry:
h=12 m=55
